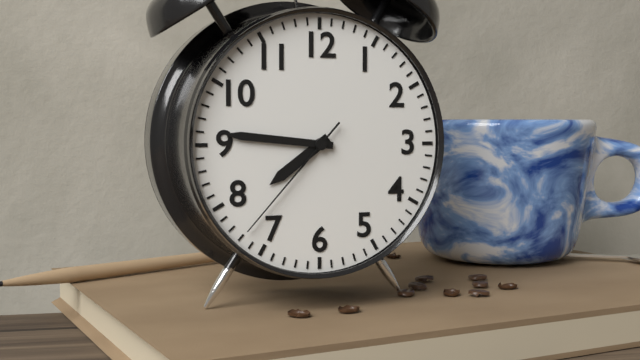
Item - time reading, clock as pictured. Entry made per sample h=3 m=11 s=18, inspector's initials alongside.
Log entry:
h=7 m=46 s=37
